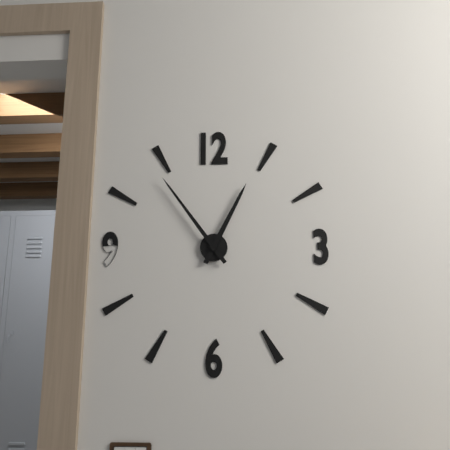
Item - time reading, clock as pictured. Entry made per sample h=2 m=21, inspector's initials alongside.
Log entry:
h=12 m=54
